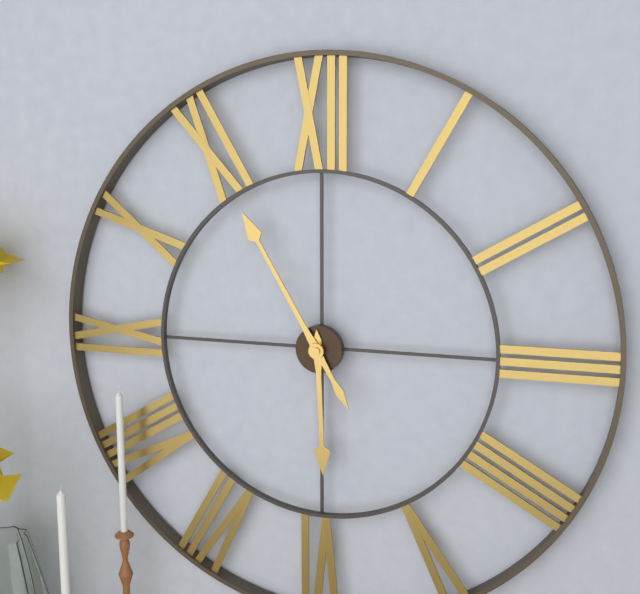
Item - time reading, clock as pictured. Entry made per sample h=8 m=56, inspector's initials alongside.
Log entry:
h=5 m=55
